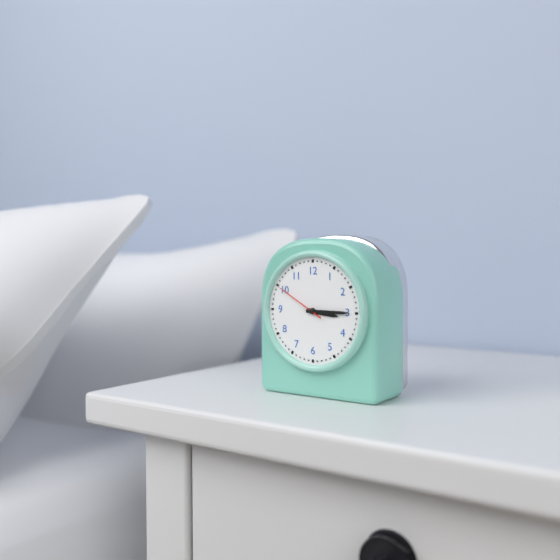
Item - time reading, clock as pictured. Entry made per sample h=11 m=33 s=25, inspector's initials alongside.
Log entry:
h=3 m=15 s=50
